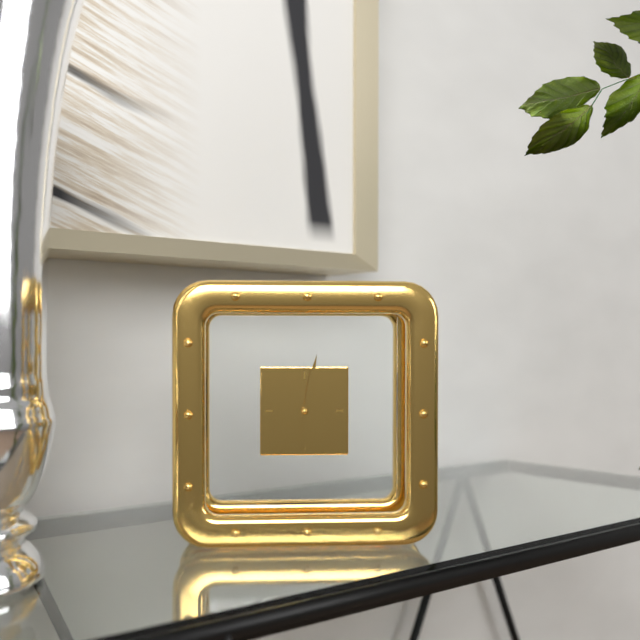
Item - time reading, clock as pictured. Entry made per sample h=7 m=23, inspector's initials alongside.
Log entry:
h=6 m=2
